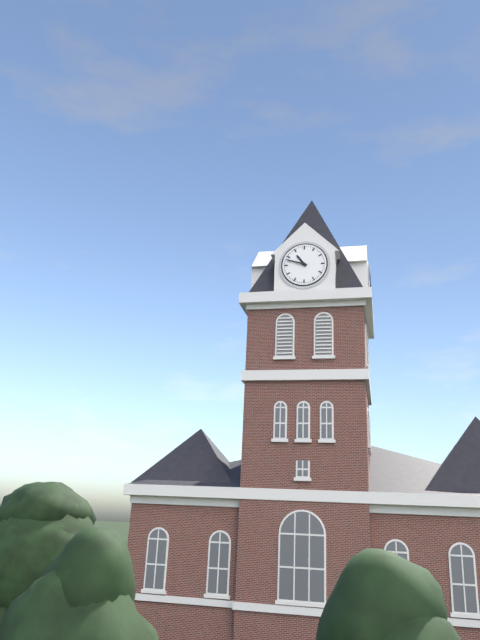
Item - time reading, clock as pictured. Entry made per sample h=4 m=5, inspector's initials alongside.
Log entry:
h=10 m=48
